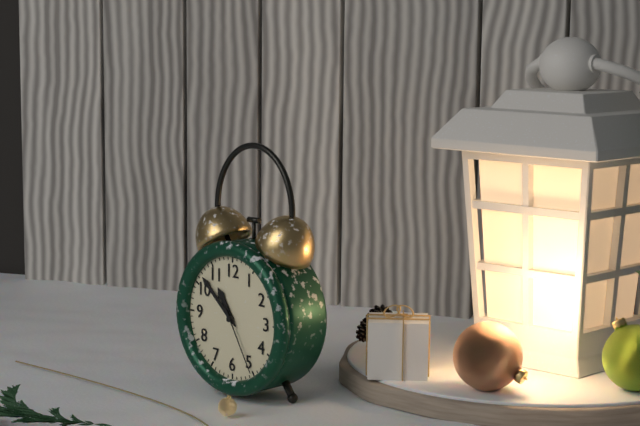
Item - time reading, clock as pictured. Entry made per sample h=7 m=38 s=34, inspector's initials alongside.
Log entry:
h=10 m=52 s=25
